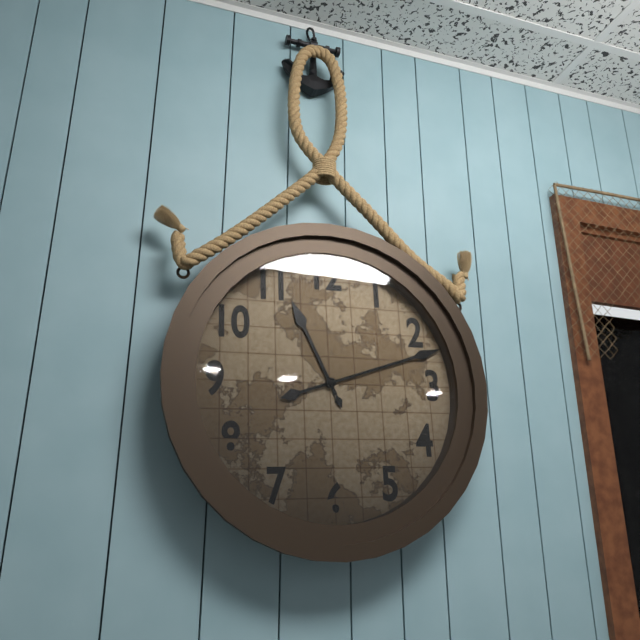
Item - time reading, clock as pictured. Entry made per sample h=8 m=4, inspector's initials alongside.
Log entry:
h=11 m=12
